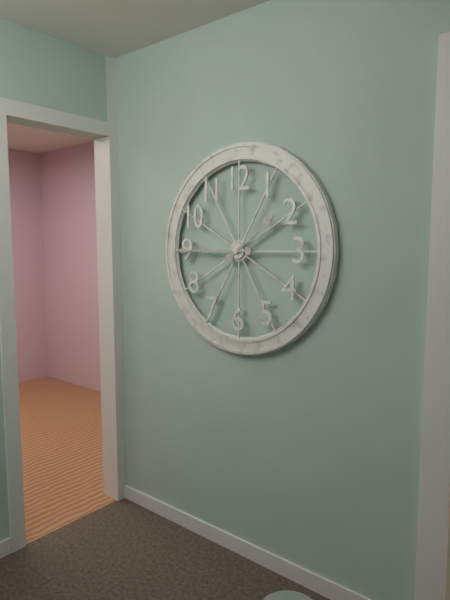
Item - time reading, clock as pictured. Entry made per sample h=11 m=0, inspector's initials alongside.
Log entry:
h=1 m=45
